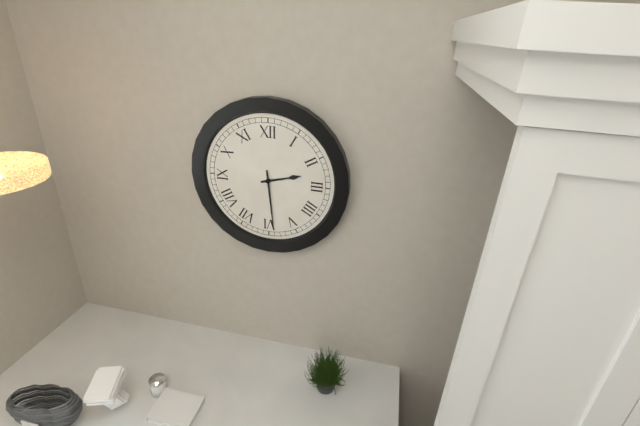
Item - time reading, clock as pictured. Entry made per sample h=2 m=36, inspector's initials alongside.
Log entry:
h=2 m=29
